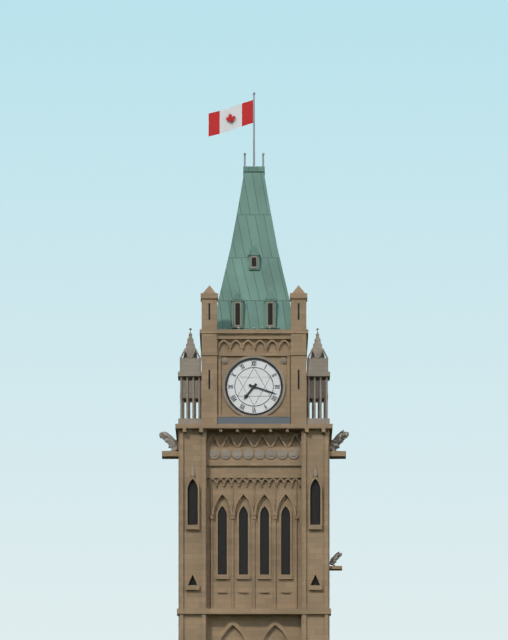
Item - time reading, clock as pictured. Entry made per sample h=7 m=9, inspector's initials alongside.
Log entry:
h=7 m=18
